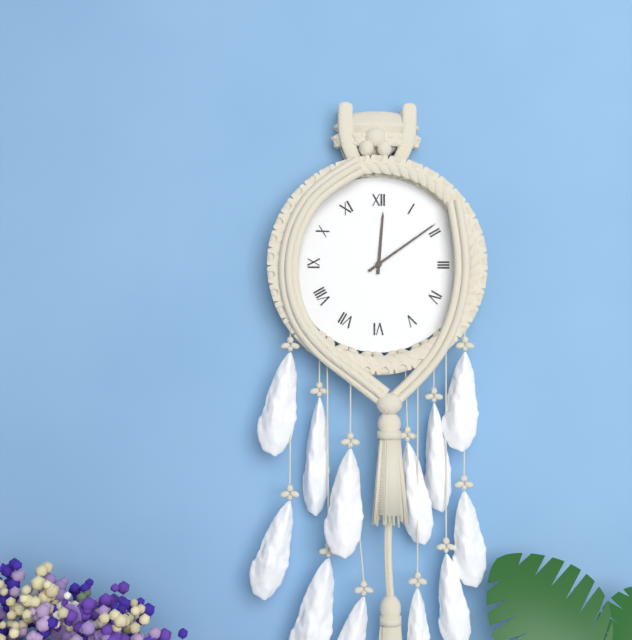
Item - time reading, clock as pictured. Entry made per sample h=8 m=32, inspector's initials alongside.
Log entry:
h=12 m=9
